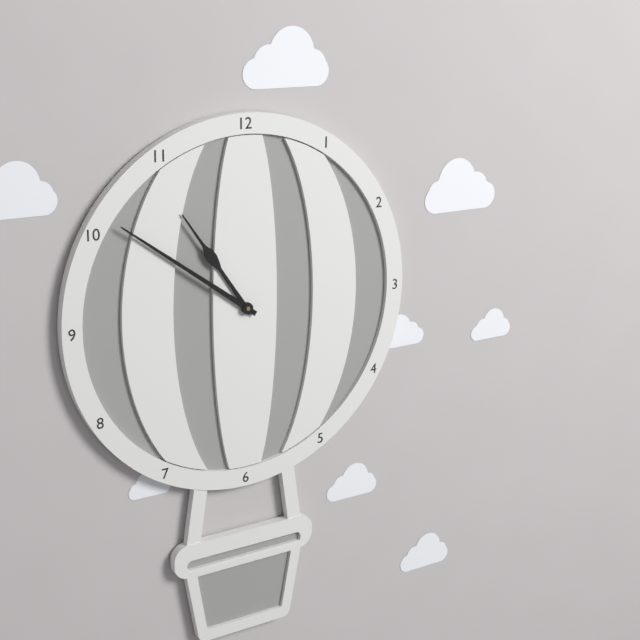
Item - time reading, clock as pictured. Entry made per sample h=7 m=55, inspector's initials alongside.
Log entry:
h=10 m=51
